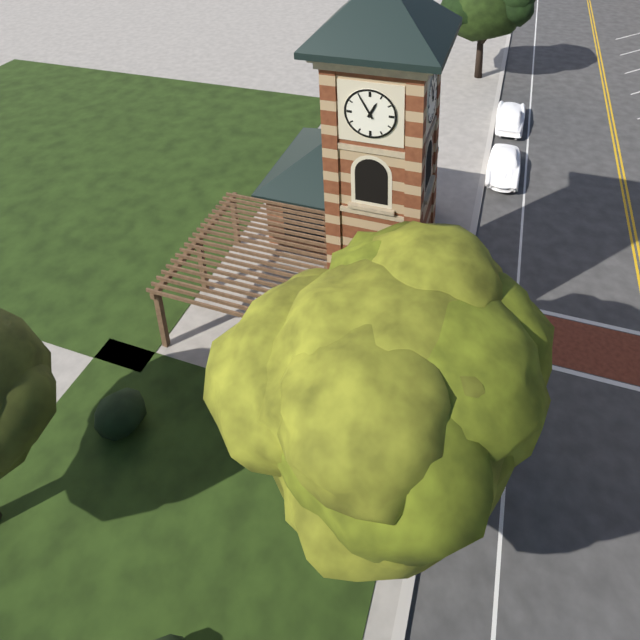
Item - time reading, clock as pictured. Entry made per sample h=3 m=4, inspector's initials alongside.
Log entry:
h=12 m=55
